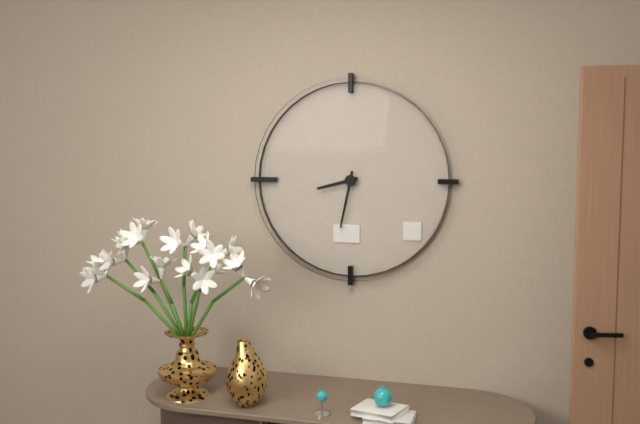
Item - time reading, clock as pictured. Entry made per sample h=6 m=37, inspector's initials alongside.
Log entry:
h=8 m=32
